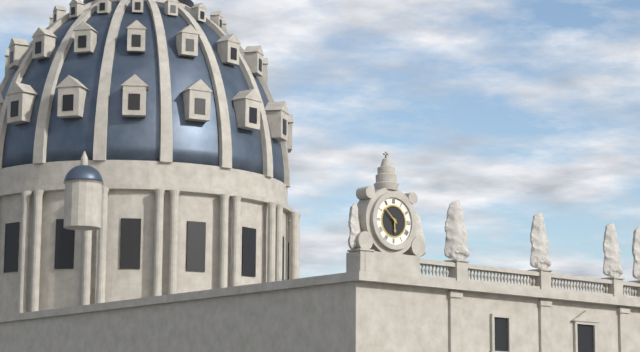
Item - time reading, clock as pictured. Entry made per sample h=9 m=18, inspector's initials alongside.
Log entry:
h=5 m=52
